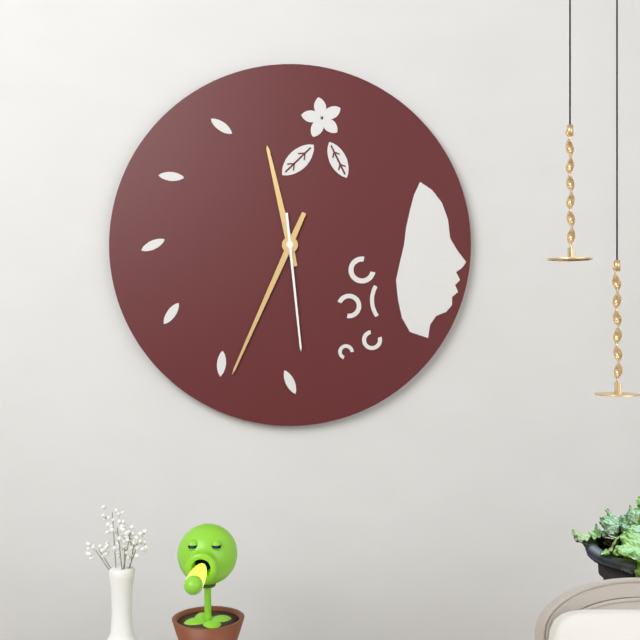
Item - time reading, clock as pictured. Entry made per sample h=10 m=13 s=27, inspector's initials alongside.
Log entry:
h=11 m=34 s=29
